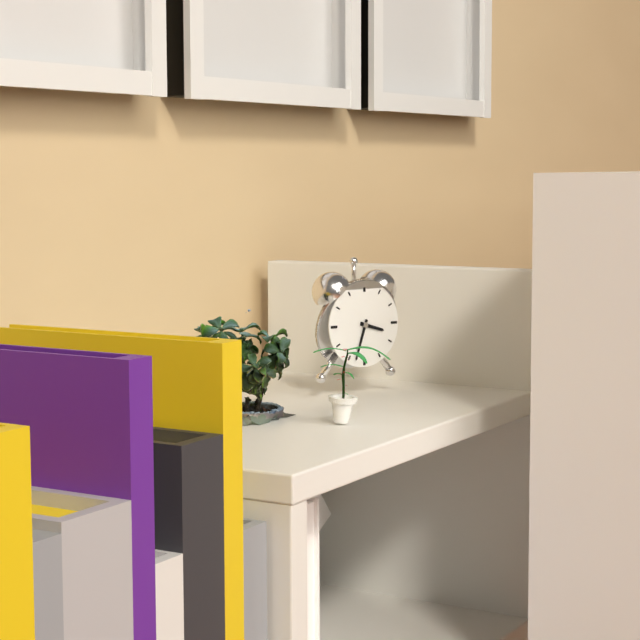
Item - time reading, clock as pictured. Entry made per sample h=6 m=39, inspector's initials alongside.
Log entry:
h=3 m=33
